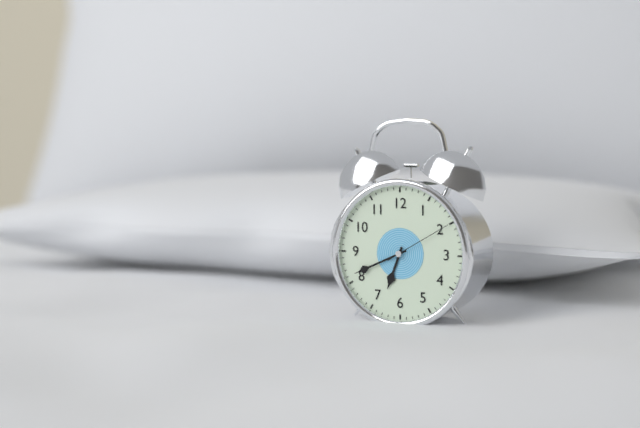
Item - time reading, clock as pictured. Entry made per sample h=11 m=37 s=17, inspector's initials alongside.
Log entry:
h=6 m=41 s=10
